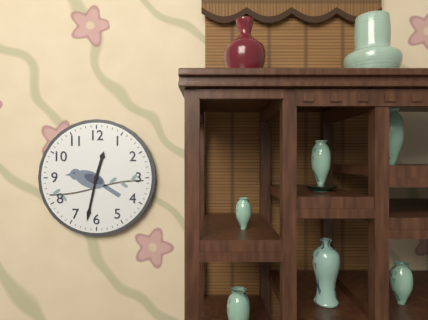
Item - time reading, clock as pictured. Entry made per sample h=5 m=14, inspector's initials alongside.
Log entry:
h=12 m=32
